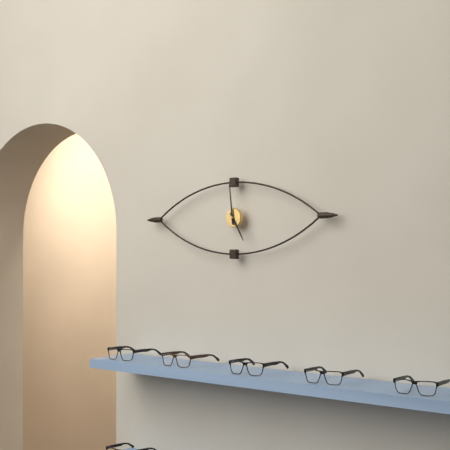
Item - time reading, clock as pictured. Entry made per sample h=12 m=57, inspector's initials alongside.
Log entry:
h=4 m=59
